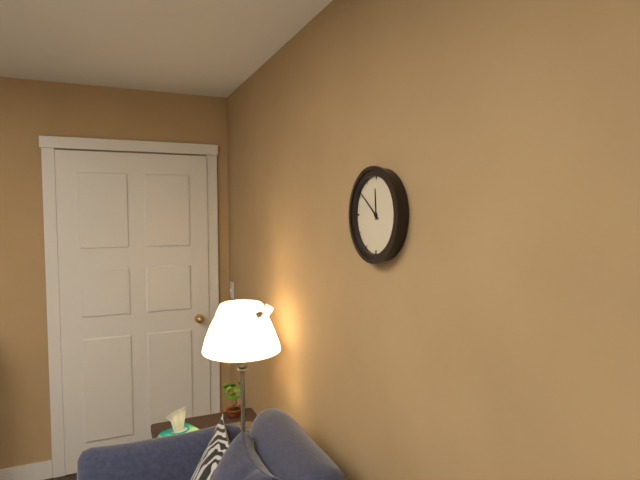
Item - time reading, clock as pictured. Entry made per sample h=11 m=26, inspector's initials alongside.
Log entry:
h=11 m=51
